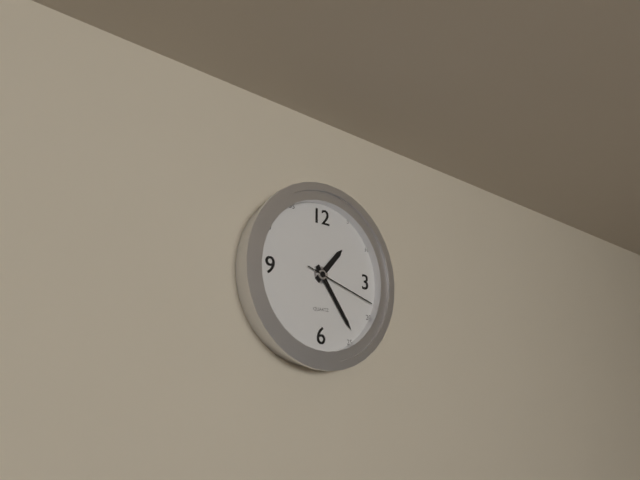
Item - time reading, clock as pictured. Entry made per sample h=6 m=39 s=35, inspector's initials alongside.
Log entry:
h=1 m=24 s=18
